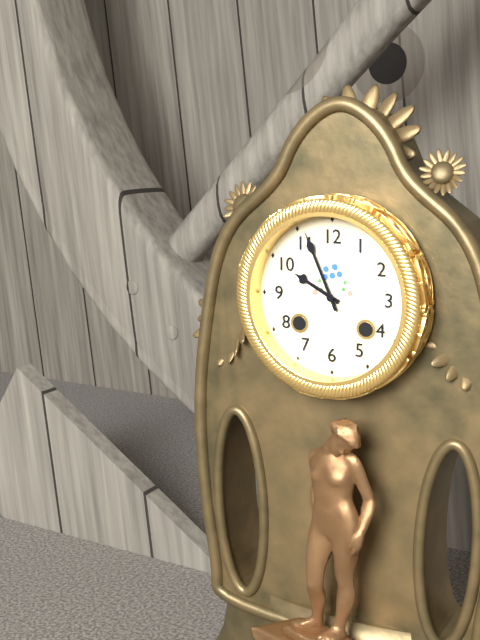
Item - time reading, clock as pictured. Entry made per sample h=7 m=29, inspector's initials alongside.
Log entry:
h=9 m=56
